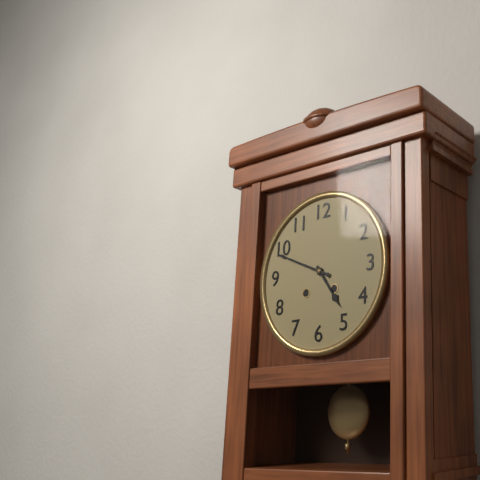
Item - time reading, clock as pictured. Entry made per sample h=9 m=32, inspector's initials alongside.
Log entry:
h=4 m=49
